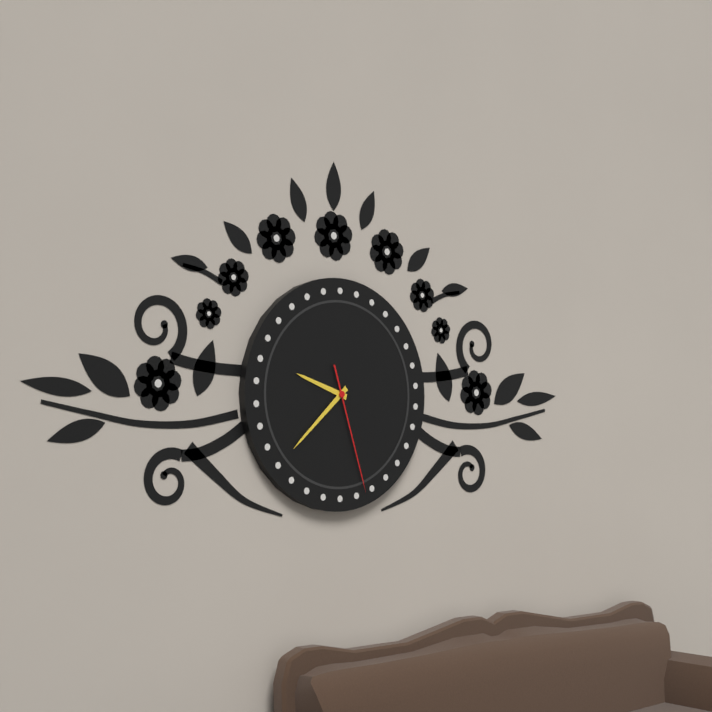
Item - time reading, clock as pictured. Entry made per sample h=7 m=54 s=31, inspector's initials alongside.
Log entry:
h=9 m=38 s=27
